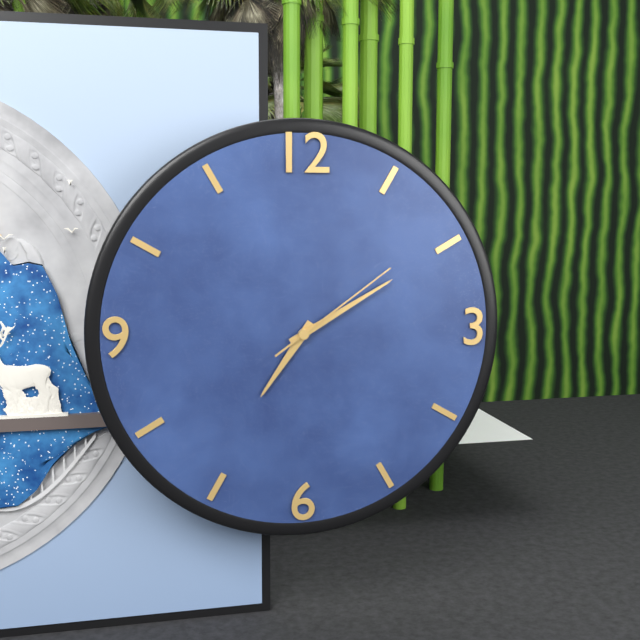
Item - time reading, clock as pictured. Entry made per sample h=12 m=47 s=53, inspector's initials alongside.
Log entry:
h=7 m=10 s=9
